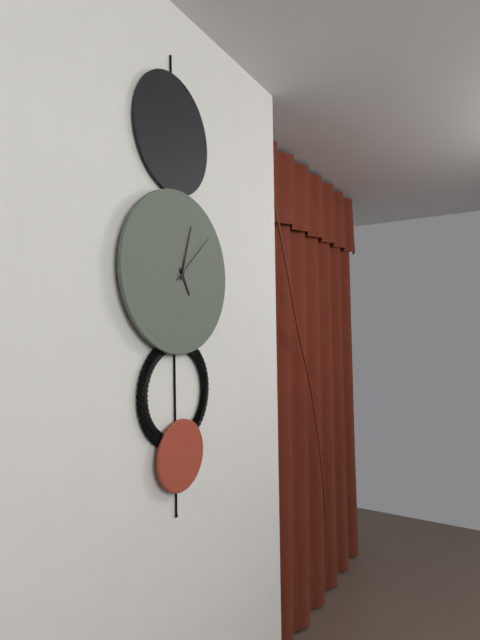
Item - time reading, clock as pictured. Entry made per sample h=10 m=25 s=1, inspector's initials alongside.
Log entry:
h=5 m=3 s=8
